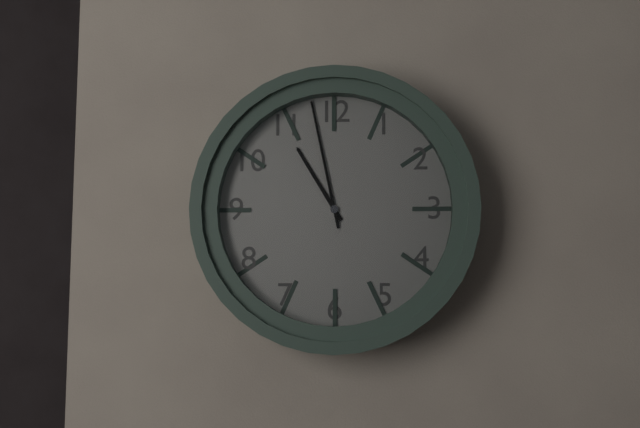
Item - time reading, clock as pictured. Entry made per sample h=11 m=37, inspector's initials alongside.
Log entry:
h=10 m=58
